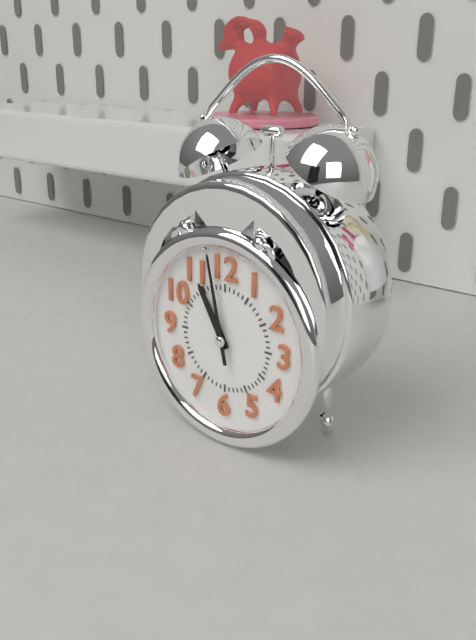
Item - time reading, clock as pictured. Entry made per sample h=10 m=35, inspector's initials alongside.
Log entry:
h=10 m=58
